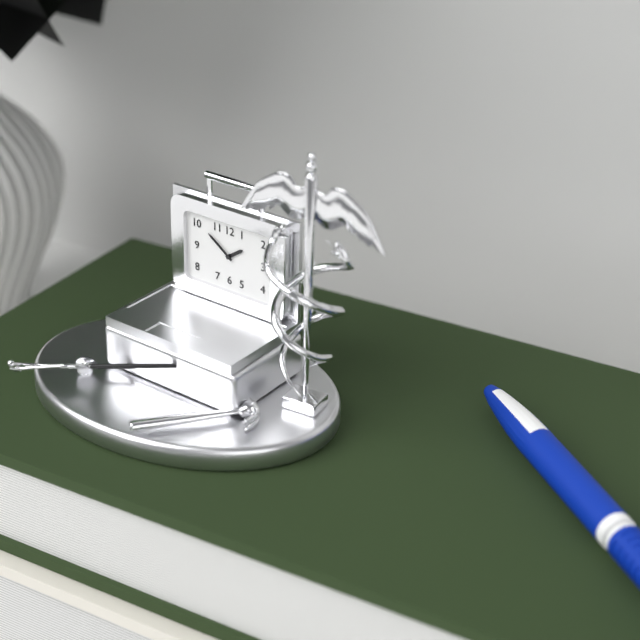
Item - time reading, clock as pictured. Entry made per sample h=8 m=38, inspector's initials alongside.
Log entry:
h=1 m=51
